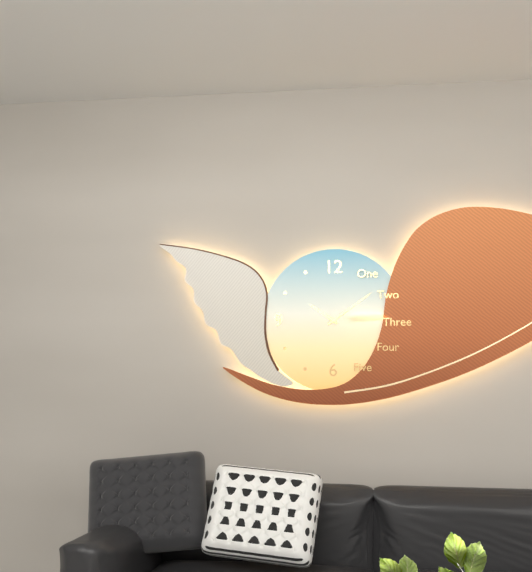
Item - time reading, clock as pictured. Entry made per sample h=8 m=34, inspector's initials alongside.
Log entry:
h=10 m=9
